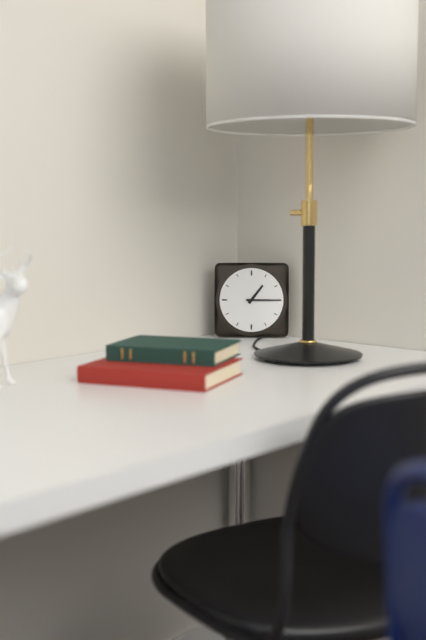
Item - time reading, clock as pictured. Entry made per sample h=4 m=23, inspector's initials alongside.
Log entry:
h=1 m=15
